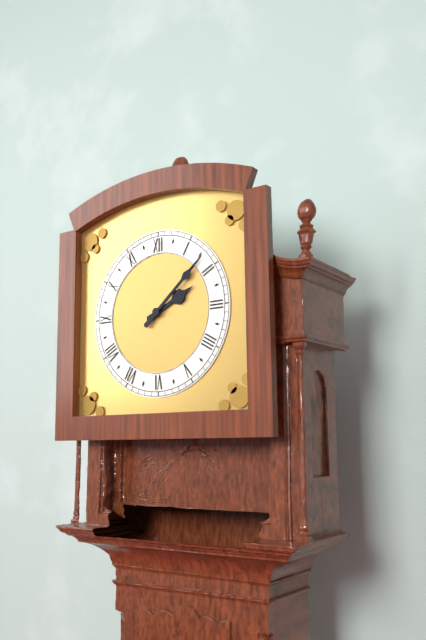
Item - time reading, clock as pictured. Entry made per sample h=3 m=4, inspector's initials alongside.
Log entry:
h=2 m=8
